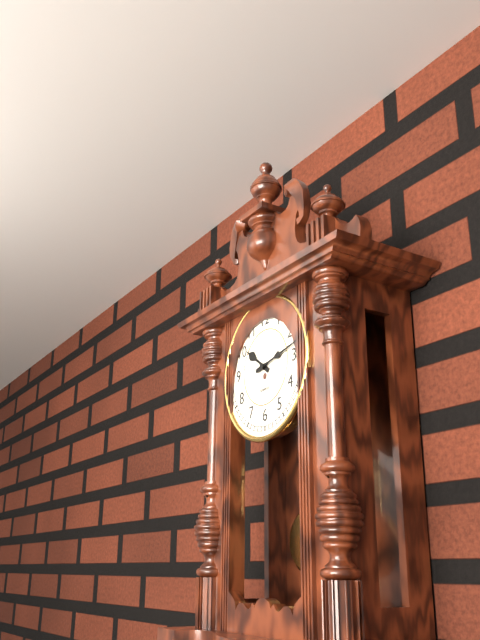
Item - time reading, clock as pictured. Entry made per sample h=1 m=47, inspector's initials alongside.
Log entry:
h=10 m=13
